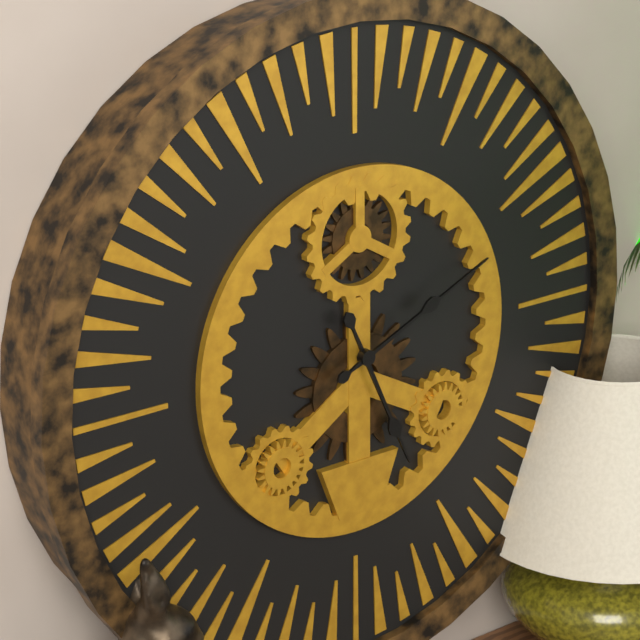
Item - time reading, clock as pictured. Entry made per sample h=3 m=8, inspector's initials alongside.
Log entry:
h=5 m=11
